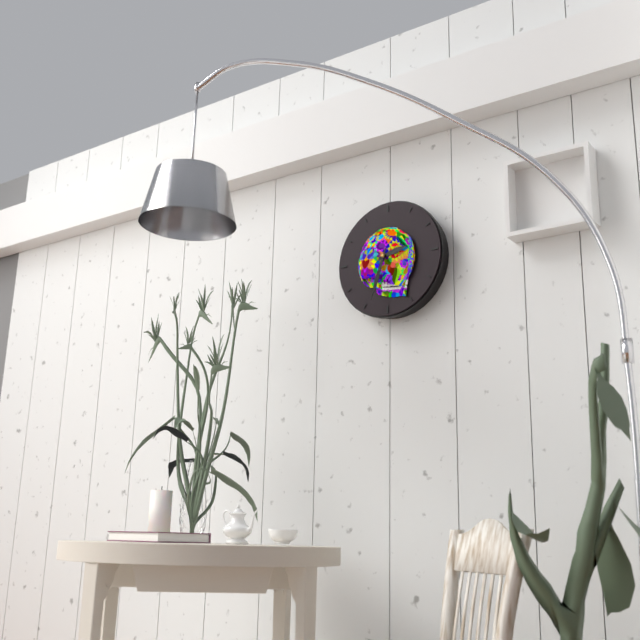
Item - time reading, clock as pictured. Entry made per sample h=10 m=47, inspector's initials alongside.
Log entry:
h=2 m=33
